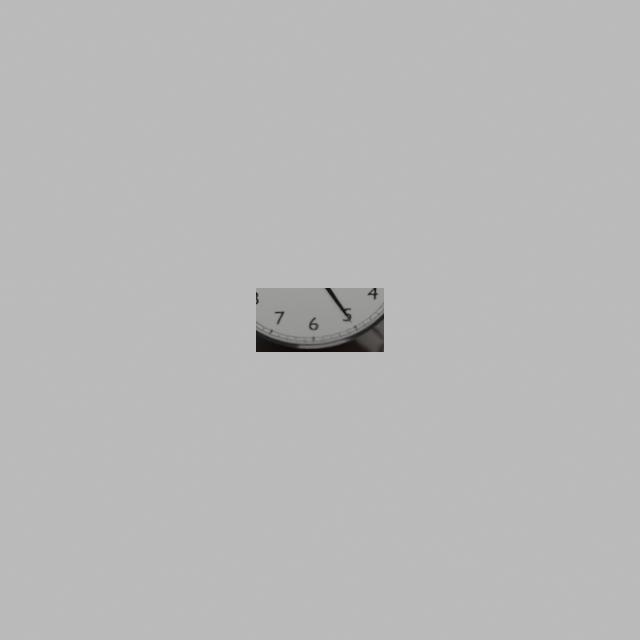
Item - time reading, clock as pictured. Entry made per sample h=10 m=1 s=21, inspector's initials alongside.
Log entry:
h=11 m=25 s=12
